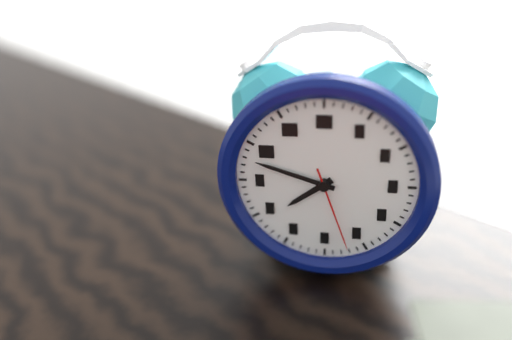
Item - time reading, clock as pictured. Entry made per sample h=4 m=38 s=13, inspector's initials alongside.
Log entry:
h=7 m=48 s=27
